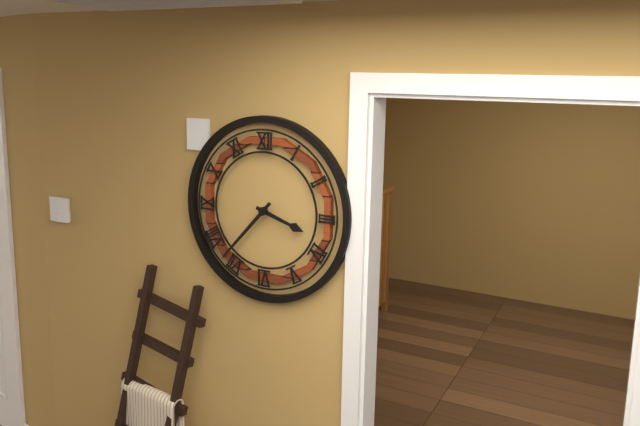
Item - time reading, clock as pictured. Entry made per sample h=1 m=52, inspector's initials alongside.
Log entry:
h=3 m=37
